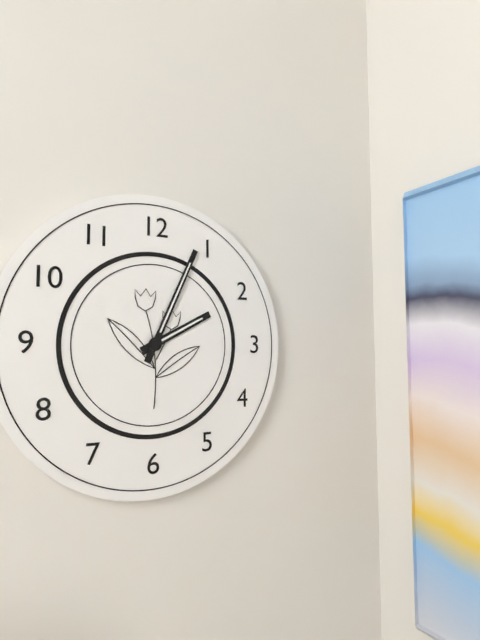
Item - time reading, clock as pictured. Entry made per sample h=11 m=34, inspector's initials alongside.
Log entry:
h=2 m=4
